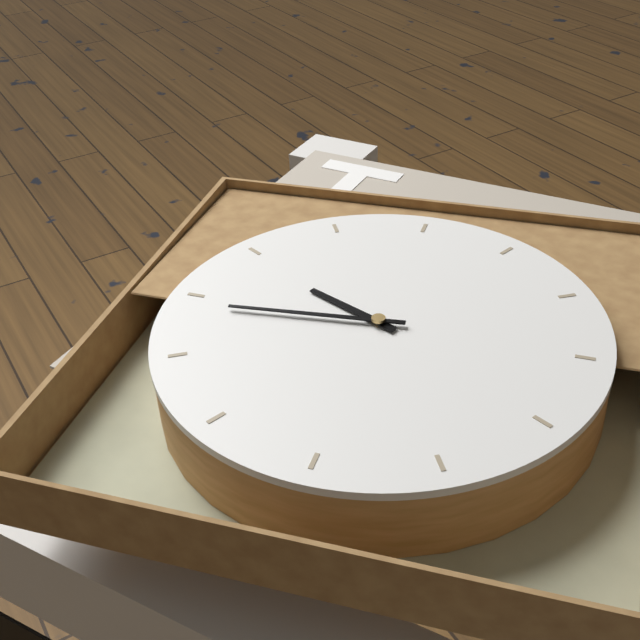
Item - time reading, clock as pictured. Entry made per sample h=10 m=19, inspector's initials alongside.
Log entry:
h=10 m=49
